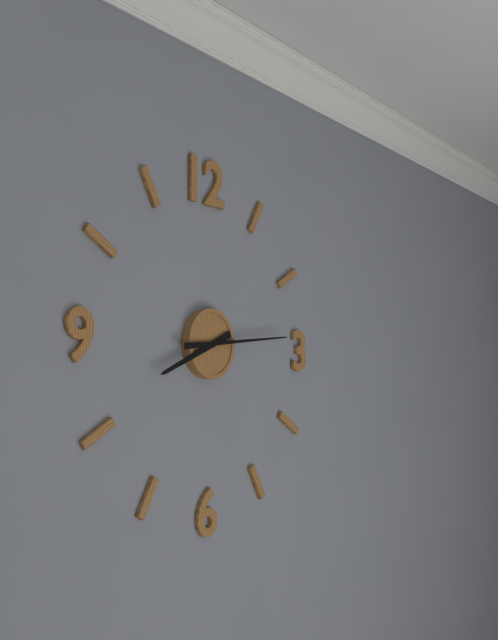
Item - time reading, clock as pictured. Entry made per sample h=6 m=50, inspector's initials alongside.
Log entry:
h=8 m=14
